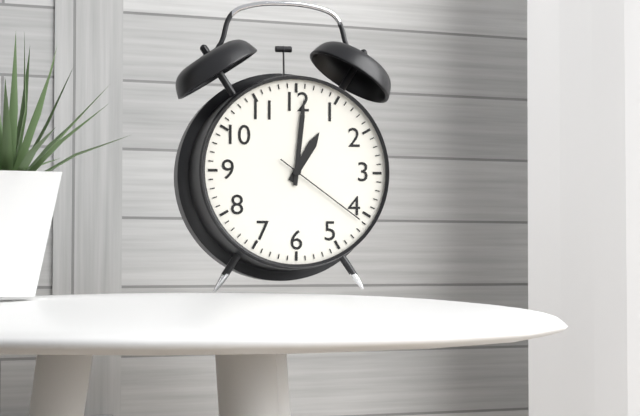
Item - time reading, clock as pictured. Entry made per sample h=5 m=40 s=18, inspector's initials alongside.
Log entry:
h=1 m=1 s=21
